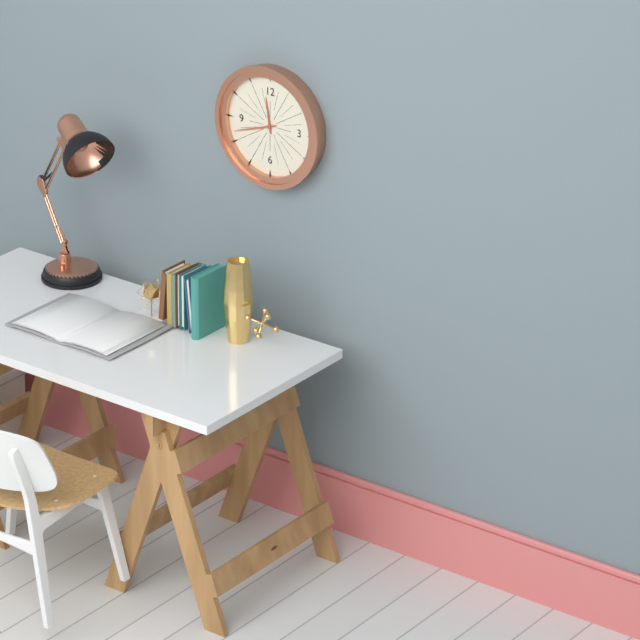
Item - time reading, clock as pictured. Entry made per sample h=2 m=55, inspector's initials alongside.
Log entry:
h=11 m=42
